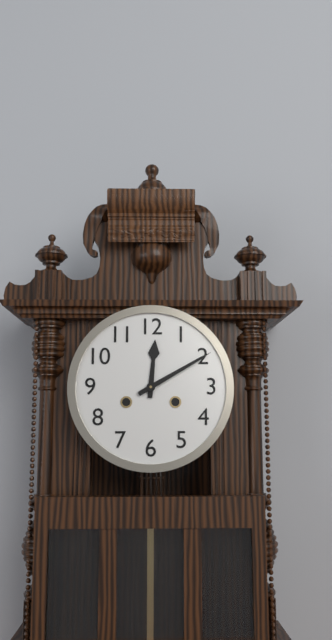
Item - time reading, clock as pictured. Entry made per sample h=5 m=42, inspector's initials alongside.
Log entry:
h=12 m=10
